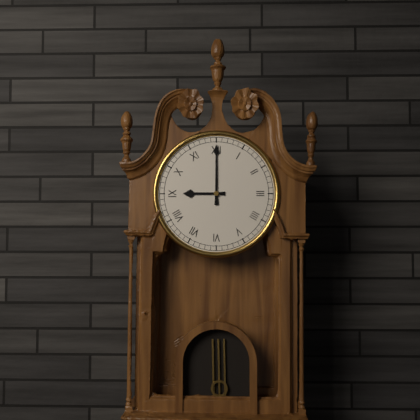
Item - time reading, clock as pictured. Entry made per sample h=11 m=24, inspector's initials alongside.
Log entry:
h=9 m=0
